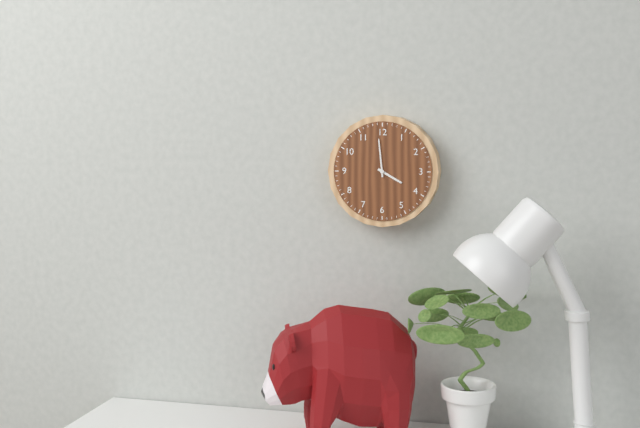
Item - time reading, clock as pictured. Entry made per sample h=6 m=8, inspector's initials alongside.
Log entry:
h=3 m=59
